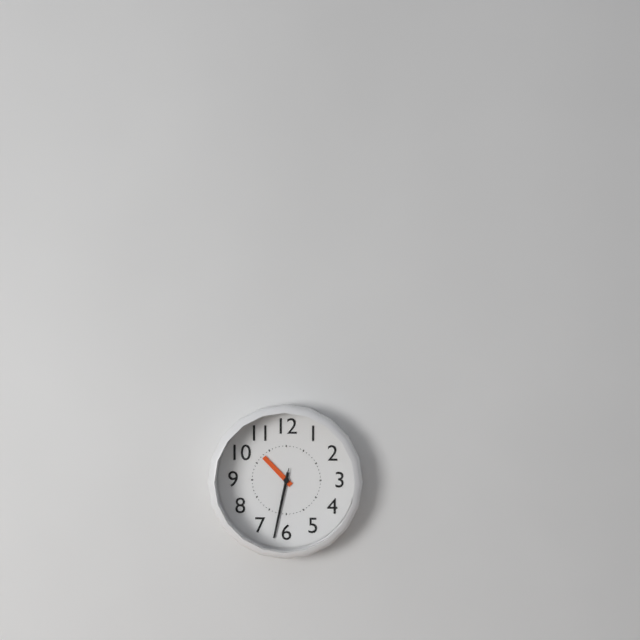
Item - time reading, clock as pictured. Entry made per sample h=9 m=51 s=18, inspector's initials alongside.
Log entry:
h=10 m=32 s=32
